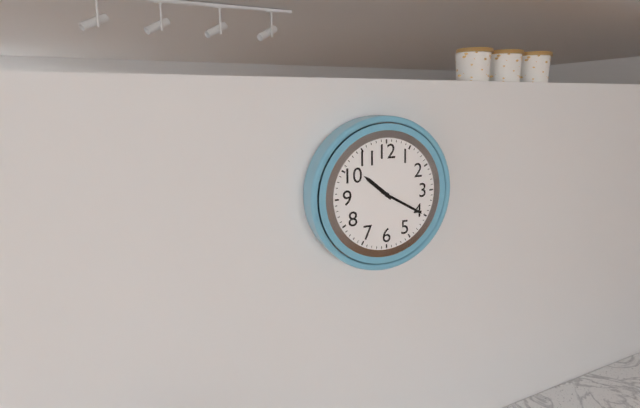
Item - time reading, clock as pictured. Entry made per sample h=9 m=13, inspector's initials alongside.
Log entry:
h=10 m=20
